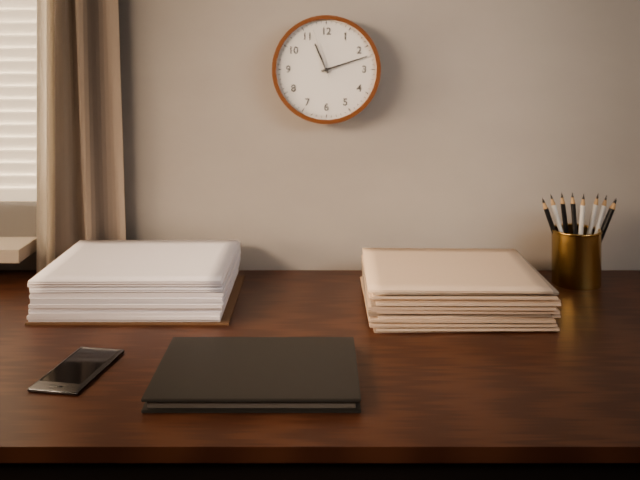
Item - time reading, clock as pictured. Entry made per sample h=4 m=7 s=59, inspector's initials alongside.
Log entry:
h=11 m=12 s=57
